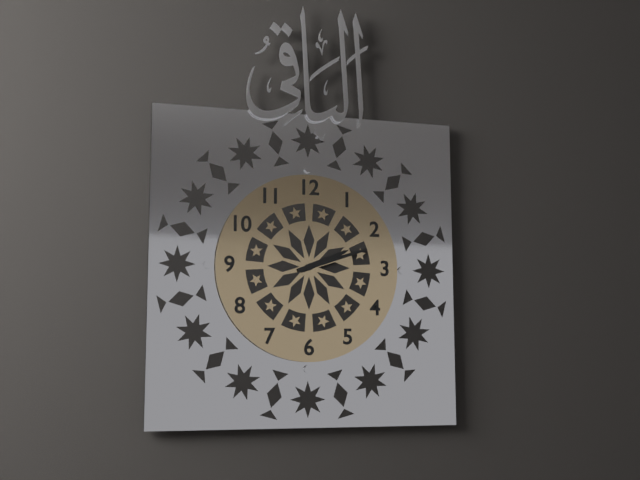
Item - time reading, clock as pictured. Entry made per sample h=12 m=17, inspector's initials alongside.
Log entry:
h=2 m=12
